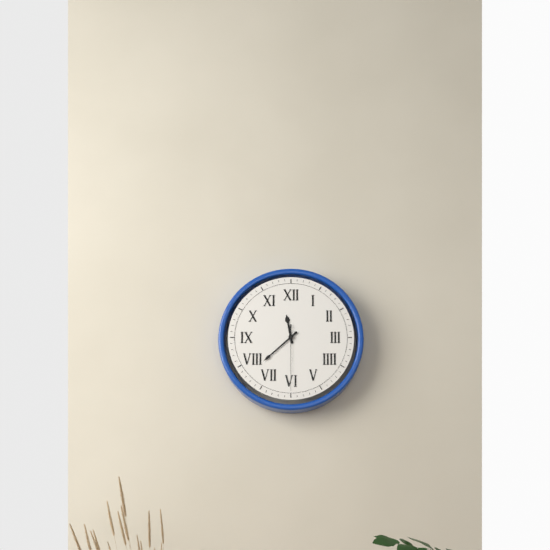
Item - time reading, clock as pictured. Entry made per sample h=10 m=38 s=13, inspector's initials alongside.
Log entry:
h=11 m=38 s=30
